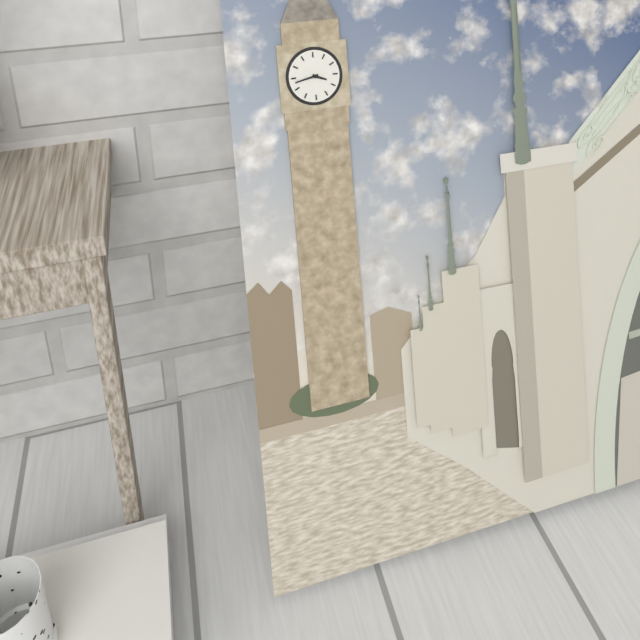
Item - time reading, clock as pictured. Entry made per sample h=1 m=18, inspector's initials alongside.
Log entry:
h=3 m=43
